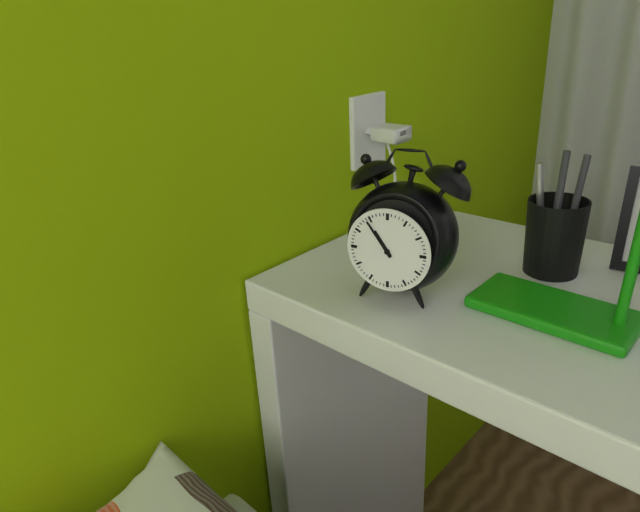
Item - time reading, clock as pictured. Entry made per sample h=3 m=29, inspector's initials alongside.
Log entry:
h=10 m=54
